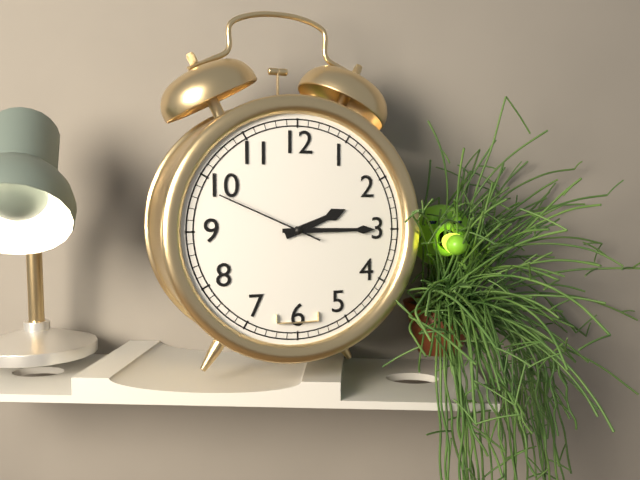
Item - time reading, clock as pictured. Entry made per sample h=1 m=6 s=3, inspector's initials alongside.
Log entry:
h=2 m=15 s=49
